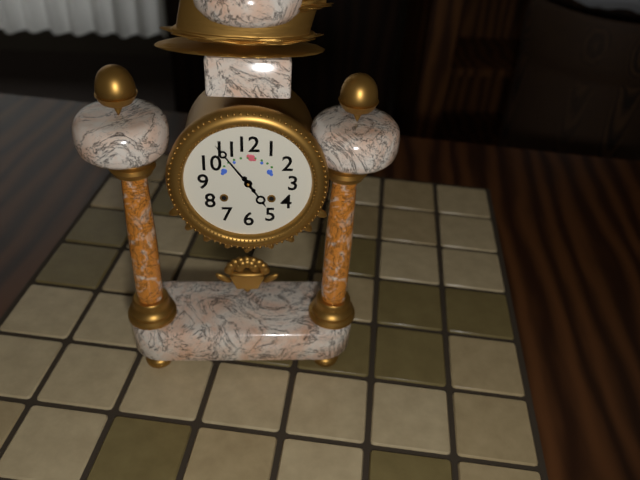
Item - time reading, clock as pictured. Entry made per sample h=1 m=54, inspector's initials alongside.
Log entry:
h=4 m=54
